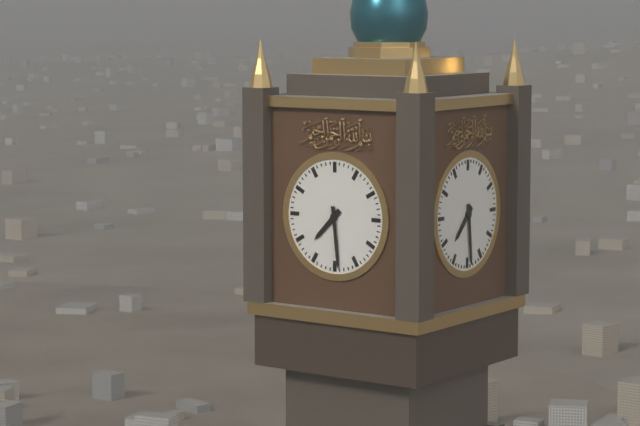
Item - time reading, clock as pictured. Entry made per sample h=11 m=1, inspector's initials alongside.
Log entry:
h=7 m=29
